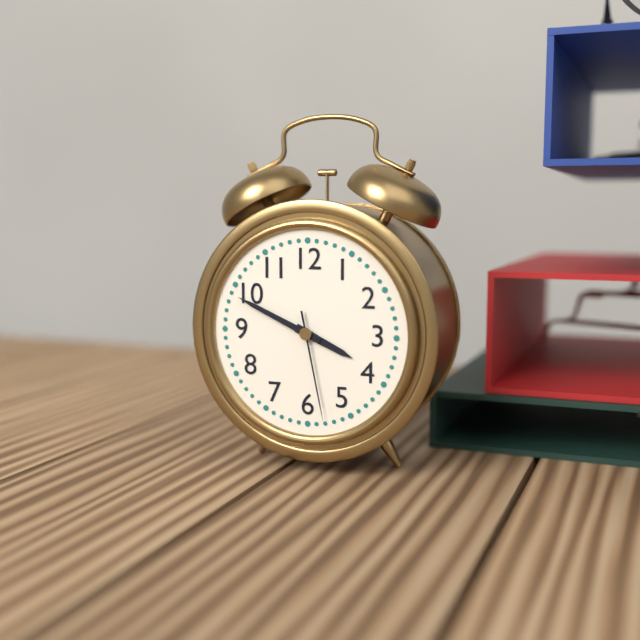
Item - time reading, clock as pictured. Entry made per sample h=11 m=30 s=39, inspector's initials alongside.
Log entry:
h=3 m=49 s=28
